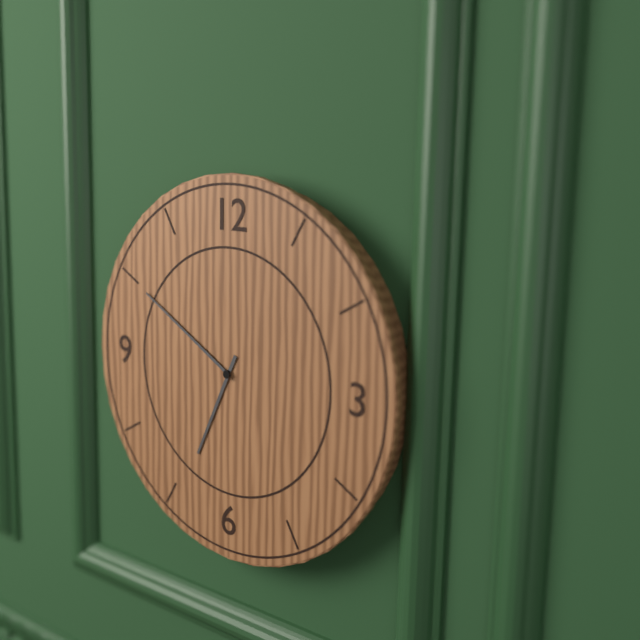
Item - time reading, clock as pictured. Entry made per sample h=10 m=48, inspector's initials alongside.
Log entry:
h=6 m=50
